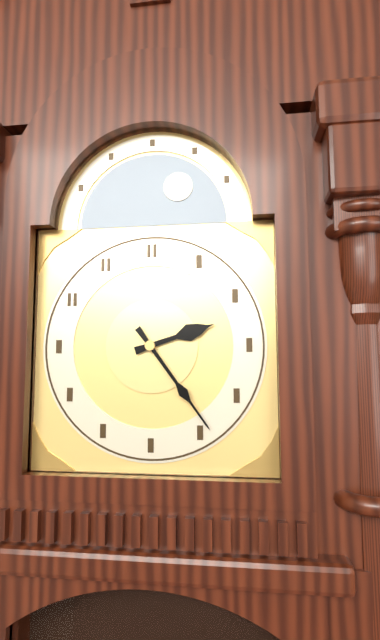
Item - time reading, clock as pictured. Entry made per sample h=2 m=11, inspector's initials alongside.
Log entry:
h=2 m=24
